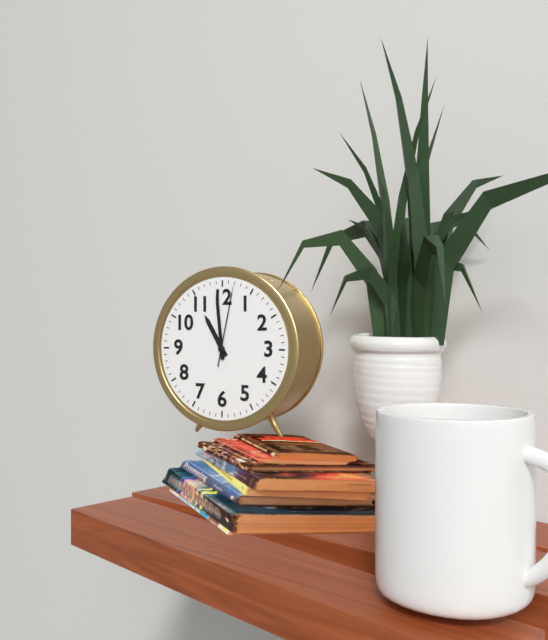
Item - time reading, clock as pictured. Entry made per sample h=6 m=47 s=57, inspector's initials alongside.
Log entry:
h=10 m=59 s=2
